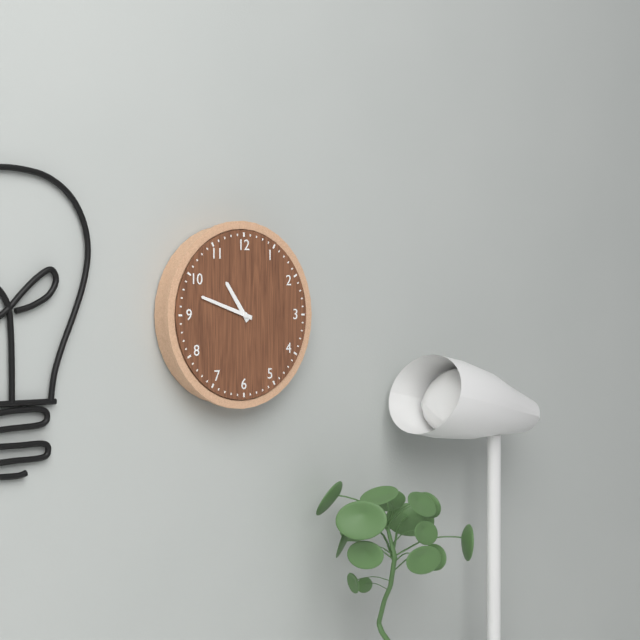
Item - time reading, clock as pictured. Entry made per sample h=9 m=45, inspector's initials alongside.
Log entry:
h=10 m=48
